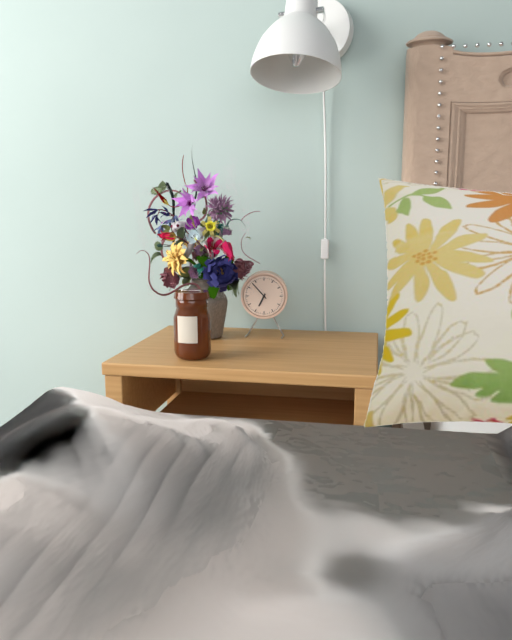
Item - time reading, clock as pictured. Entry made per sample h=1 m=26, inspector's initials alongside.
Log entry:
h=6 m=53
